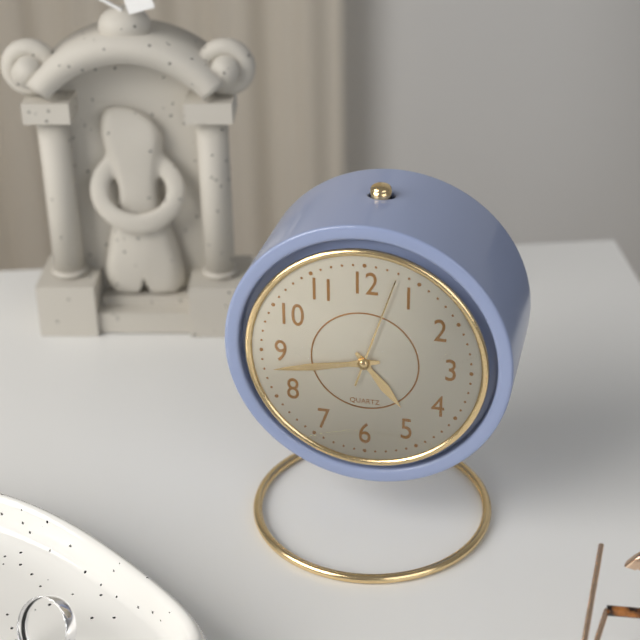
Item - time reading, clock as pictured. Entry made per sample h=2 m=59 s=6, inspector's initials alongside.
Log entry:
h=4 m=43 s=3
